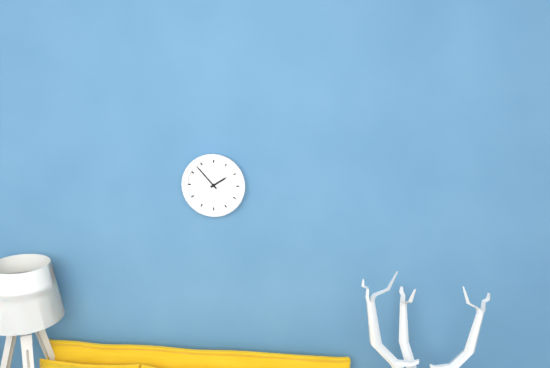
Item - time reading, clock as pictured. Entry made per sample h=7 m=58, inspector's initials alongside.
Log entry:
h=1 m=53
